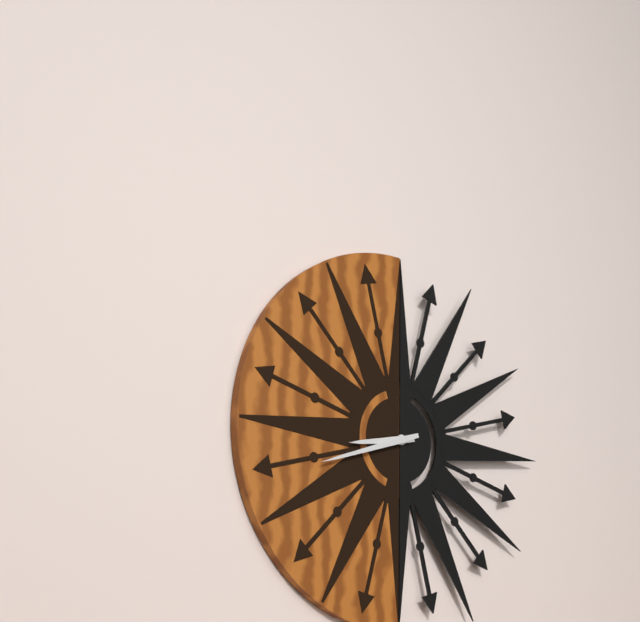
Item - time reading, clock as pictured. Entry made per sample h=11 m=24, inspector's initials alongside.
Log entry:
h=8 m=42
